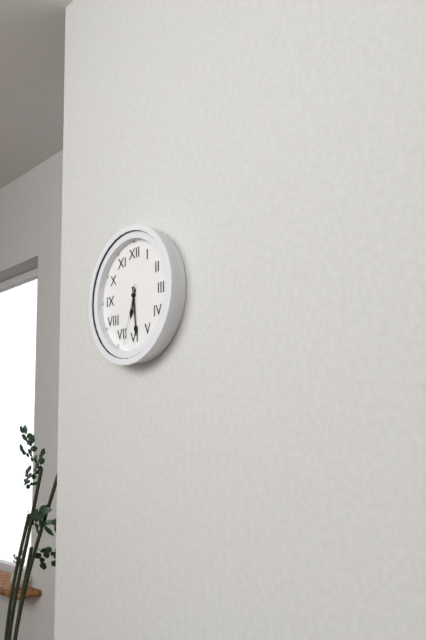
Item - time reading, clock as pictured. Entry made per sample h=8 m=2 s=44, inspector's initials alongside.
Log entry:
h=6 m=29 s=33
